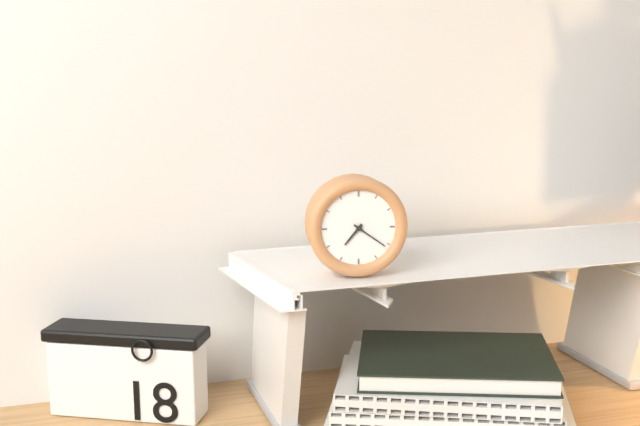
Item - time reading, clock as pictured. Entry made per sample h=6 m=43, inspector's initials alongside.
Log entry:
h=7 m=21
